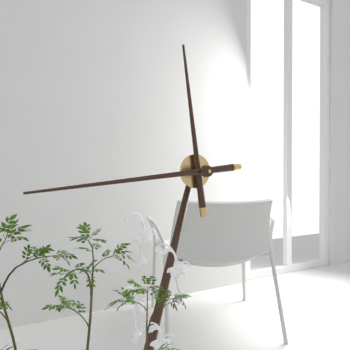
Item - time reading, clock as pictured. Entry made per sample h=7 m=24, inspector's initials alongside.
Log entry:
h=11 m=44
